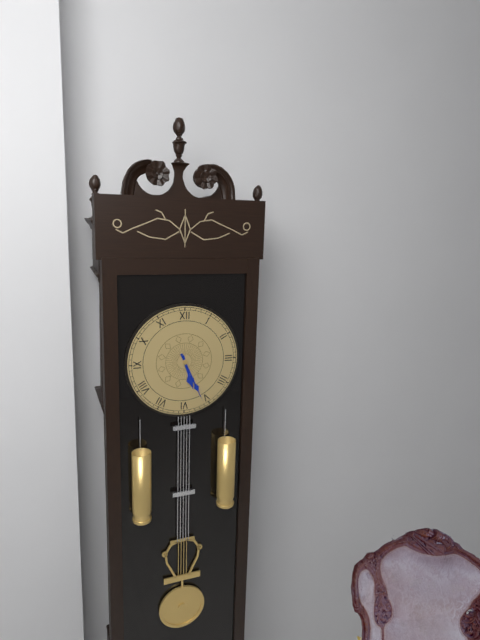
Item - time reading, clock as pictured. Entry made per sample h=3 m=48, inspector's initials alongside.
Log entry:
h=5 m=26
